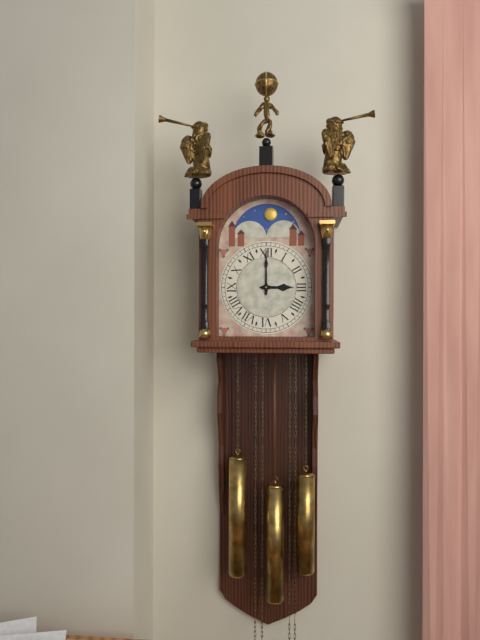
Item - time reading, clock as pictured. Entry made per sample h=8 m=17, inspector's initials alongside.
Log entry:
h=3 m=0
